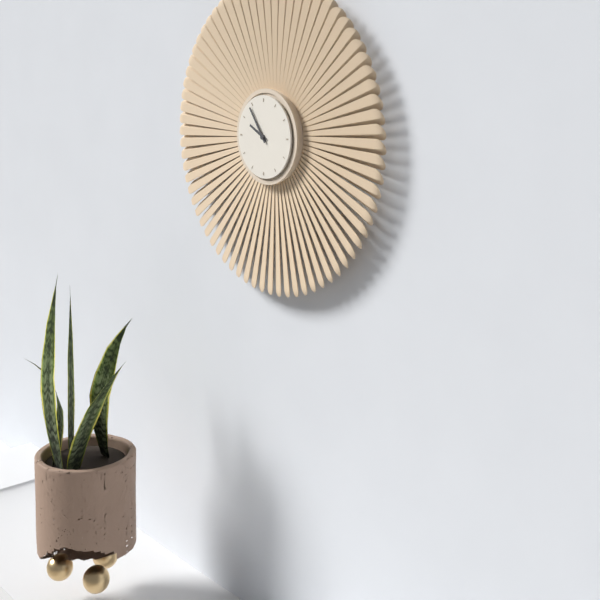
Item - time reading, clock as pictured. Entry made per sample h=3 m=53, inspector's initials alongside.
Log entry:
h=9 m=54
